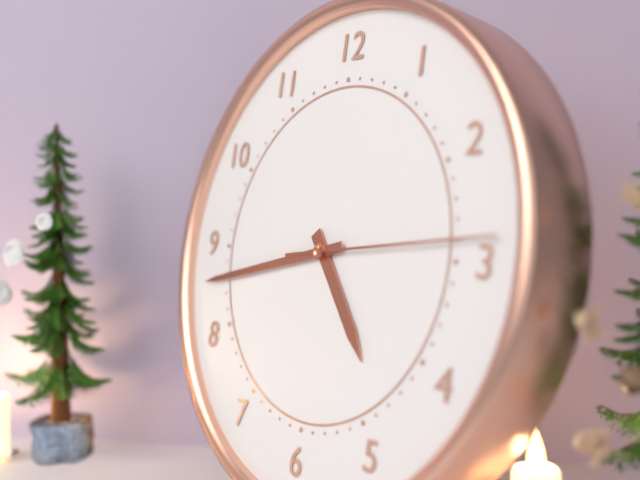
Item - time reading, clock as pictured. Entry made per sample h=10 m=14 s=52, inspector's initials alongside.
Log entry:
h=4 m=43 s=14
